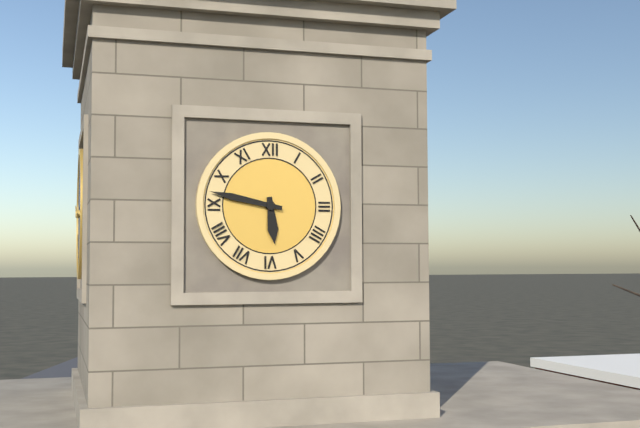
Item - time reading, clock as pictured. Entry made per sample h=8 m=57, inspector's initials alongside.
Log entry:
h=5 m=47
